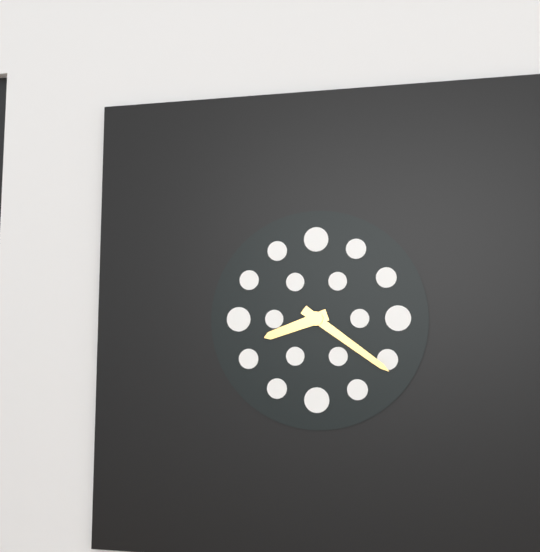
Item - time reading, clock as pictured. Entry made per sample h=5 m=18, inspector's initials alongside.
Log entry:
h=8 m=21
